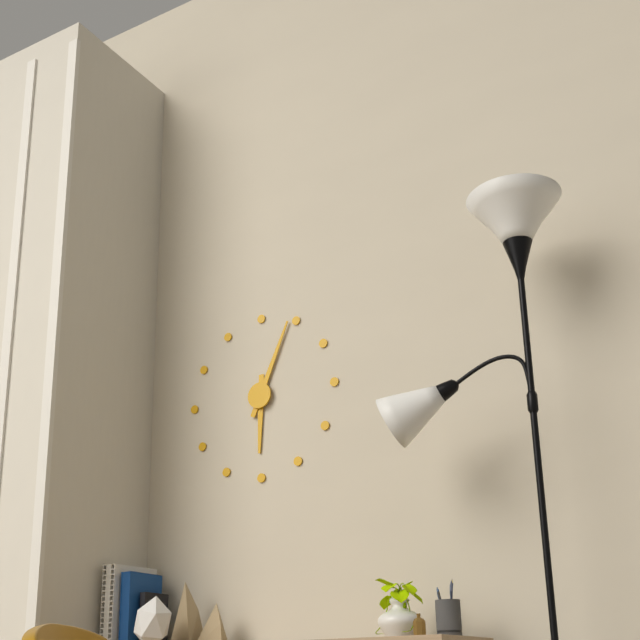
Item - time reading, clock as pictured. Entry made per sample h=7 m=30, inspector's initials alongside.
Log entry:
h=6 m=4
